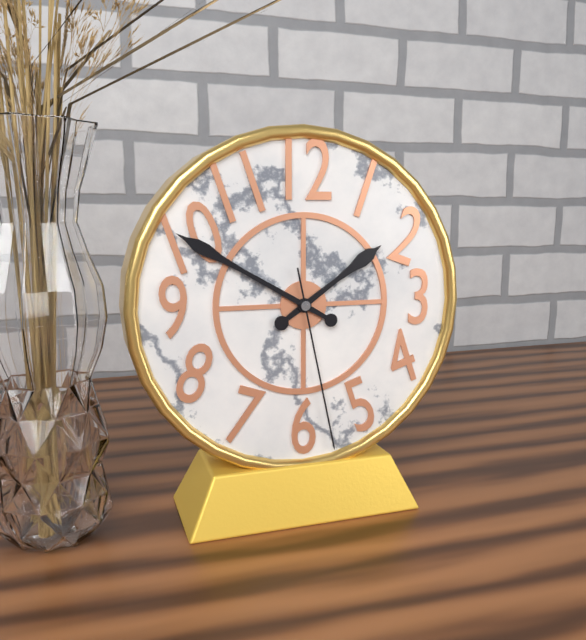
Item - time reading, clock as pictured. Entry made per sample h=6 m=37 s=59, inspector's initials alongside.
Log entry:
h=1 m=50 s=28
